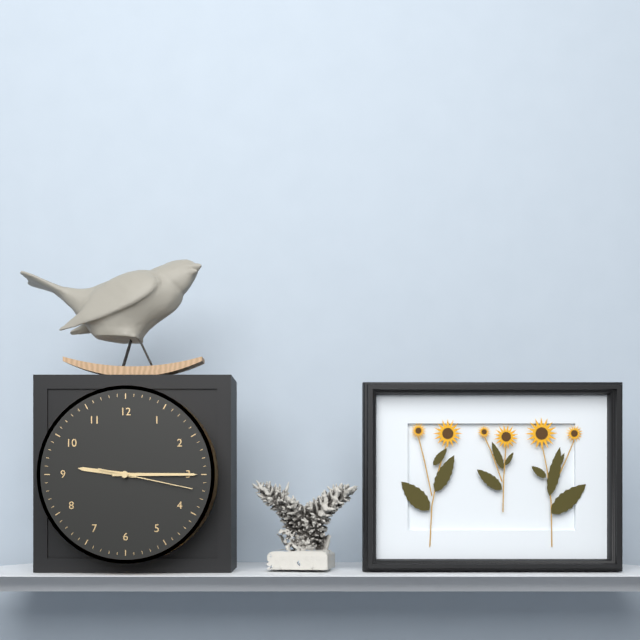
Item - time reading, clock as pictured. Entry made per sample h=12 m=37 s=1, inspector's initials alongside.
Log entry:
h=9 m=15 s=17
